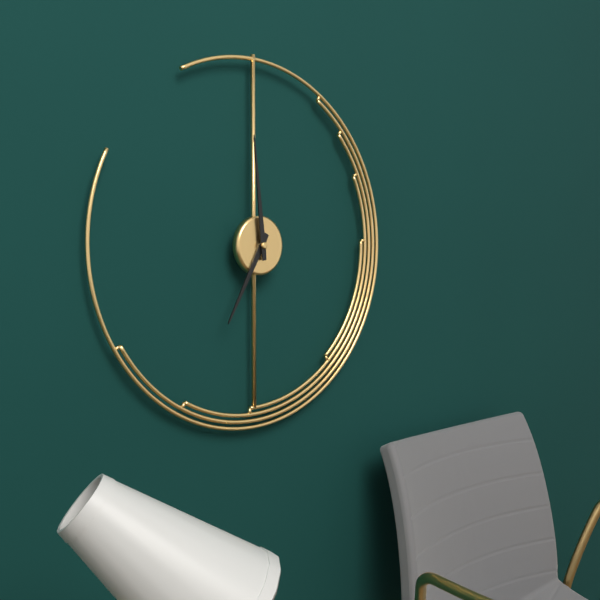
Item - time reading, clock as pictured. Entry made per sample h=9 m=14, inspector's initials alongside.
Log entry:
h=6 m=59
